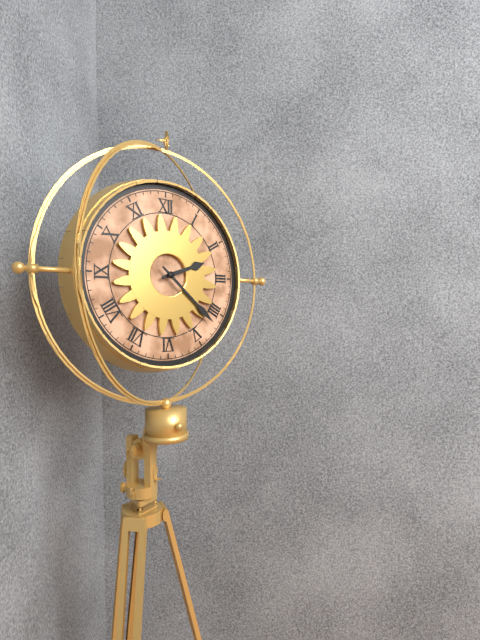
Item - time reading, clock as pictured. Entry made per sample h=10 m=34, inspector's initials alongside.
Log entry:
h=2 m=22
